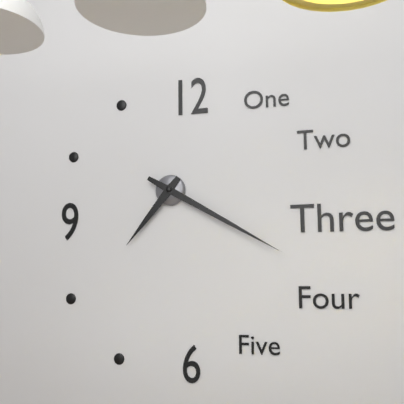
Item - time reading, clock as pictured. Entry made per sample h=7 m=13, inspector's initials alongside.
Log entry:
h=7 m=20
